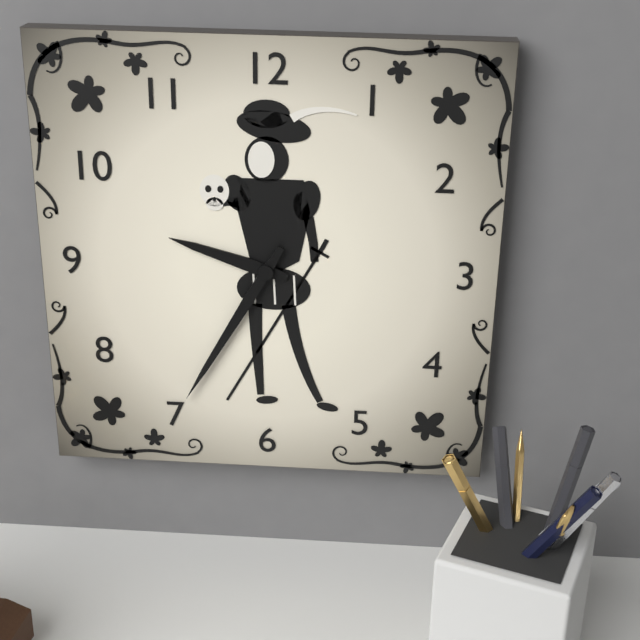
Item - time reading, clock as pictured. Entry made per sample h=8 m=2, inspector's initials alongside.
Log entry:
h=9 m=35
